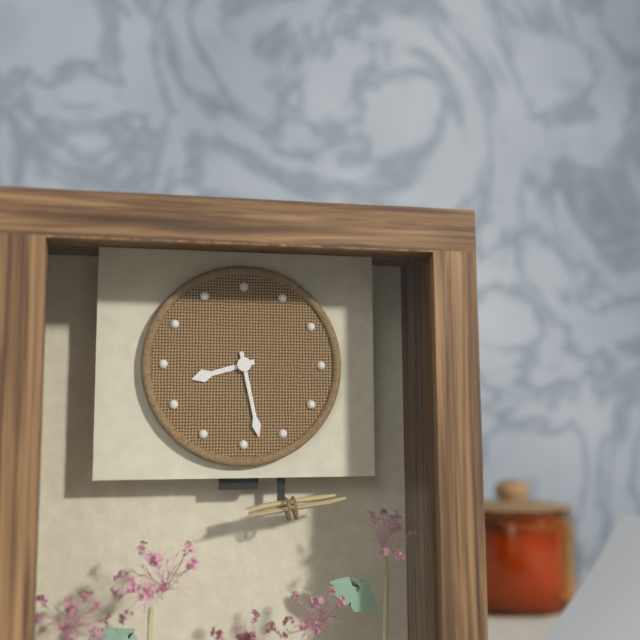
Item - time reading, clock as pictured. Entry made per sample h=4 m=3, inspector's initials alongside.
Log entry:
h=8 m=28
